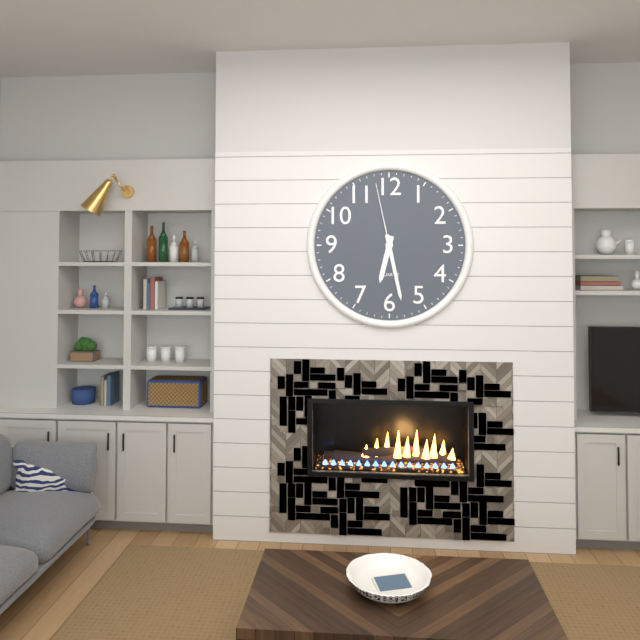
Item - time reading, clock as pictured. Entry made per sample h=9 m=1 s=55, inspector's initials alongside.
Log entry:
h=6 m=28 s=58
